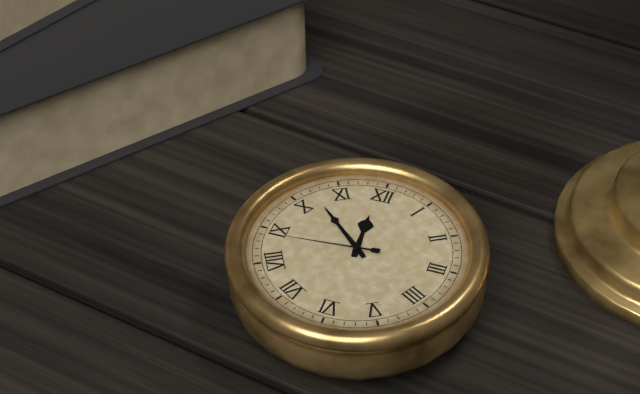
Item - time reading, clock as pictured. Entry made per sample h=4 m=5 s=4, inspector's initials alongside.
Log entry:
h=11 m=52 s=44
